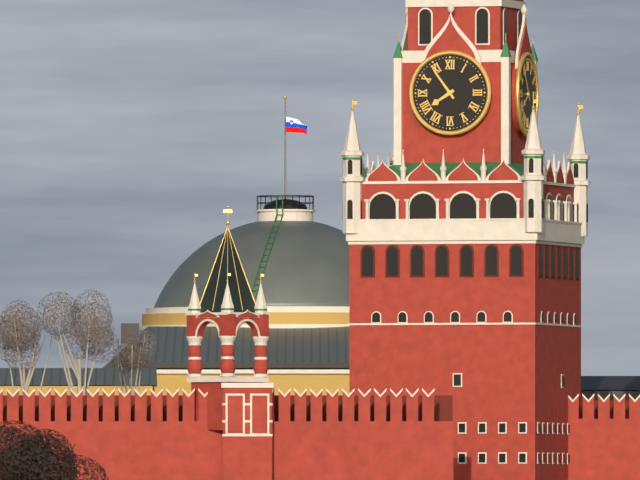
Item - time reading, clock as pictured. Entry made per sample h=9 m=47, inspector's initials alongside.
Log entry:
h=7 m=54
